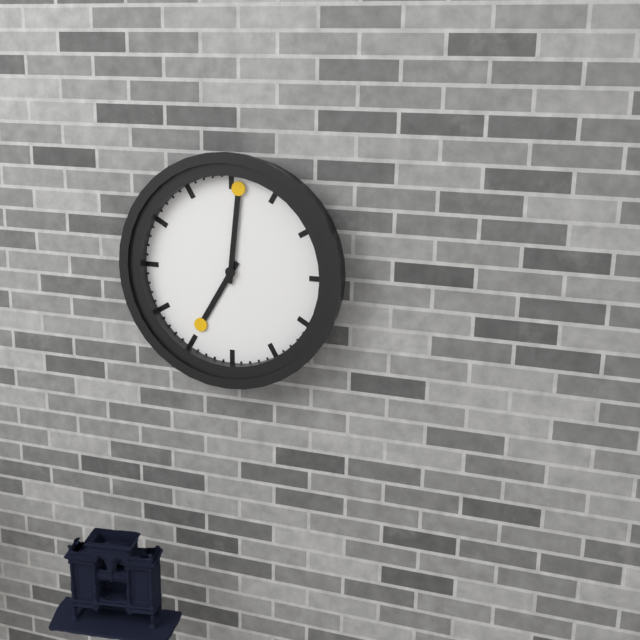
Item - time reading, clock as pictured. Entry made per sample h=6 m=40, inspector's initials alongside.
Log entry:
h=7 m=1
